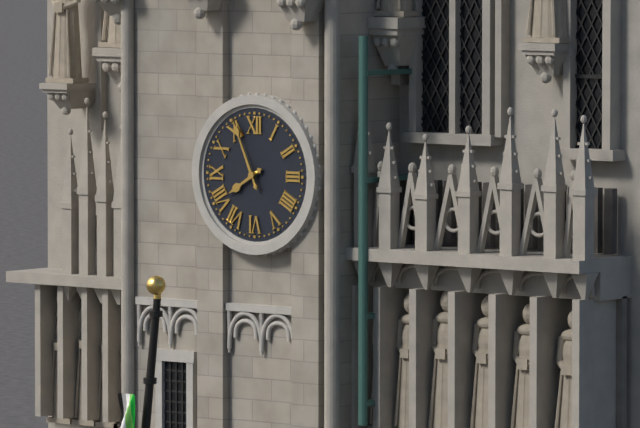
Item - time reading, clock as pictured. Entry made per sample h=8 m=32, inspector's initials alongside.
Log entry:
h=7 m=56
